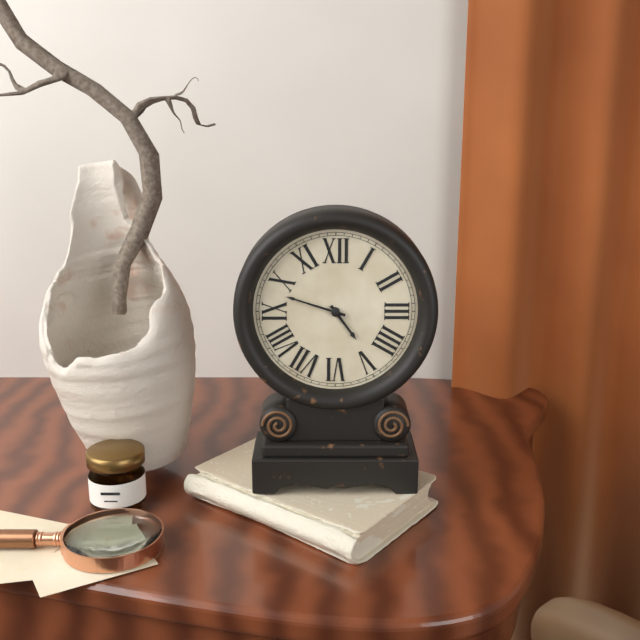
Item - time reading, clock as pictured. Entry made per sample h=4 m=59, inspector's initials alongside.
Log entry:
h=4 m=48
